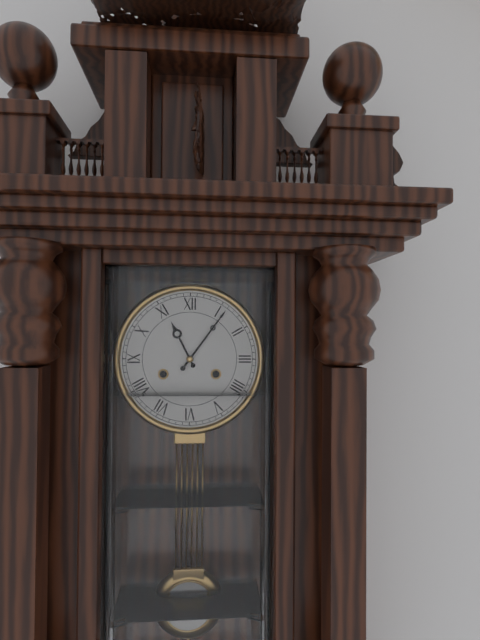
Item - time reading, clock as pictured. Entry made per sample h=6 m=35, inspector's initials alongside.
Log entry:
h=11 m=6
